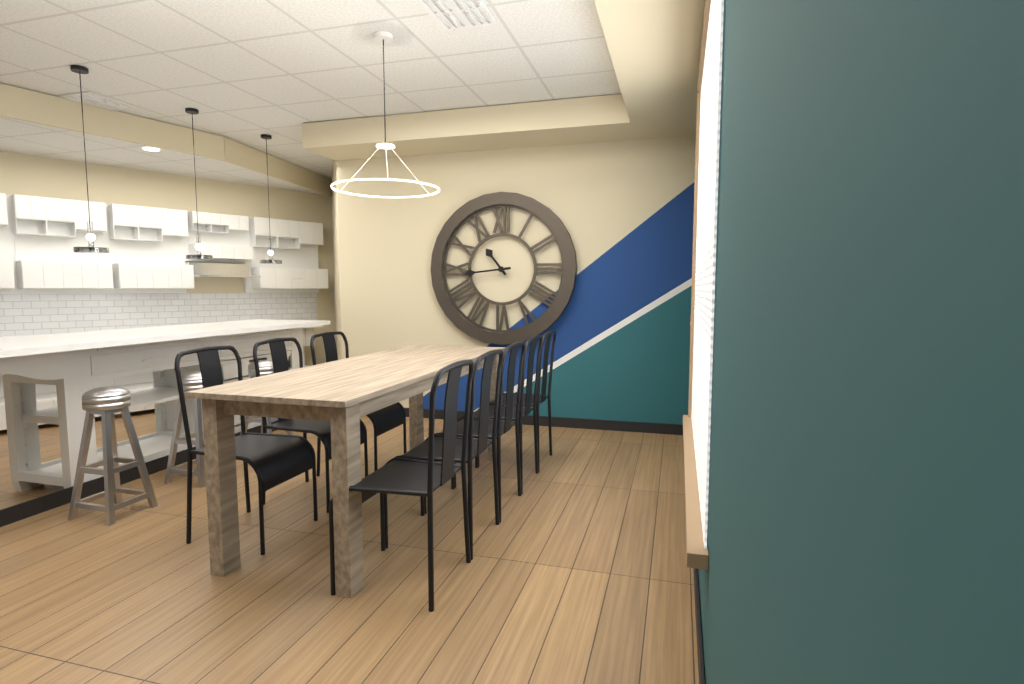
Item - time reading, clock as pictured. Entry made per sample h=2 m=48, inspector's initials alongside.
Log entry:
h=10 m=44
